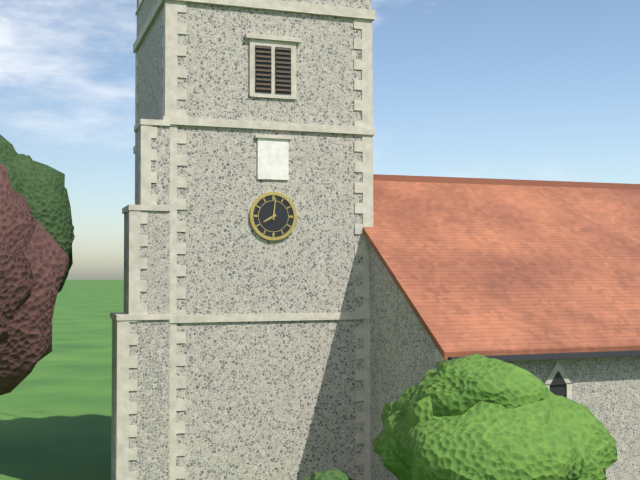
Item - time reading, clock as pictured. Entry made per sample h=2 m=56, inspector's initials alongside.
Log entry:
h=8 m=1
